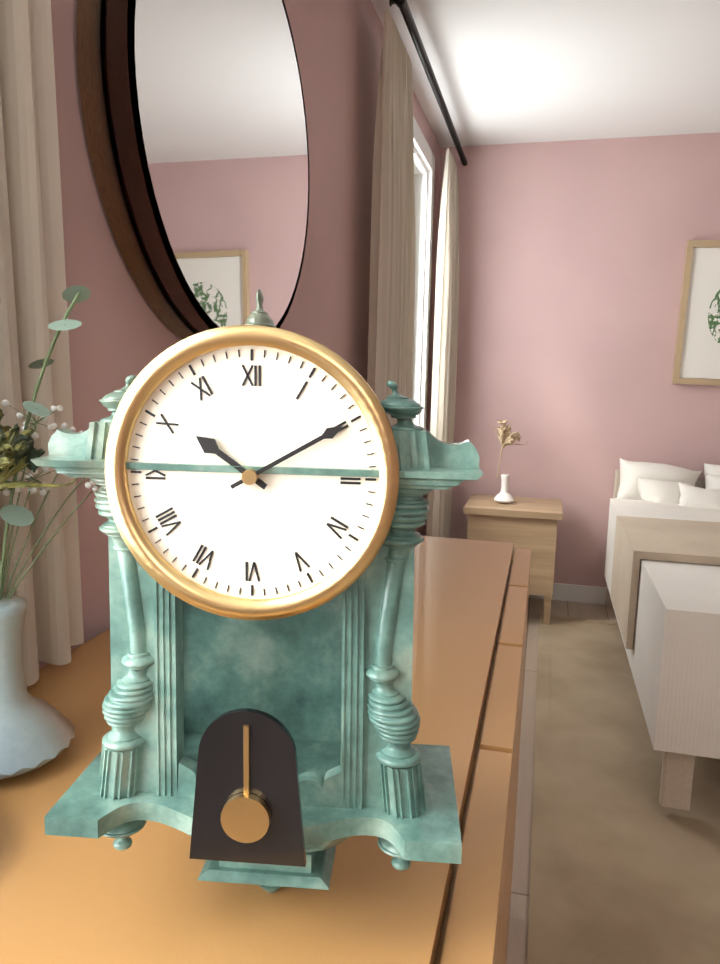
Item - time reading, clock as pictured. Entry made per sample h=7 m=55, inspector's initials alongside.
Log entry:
h=10 m=10
